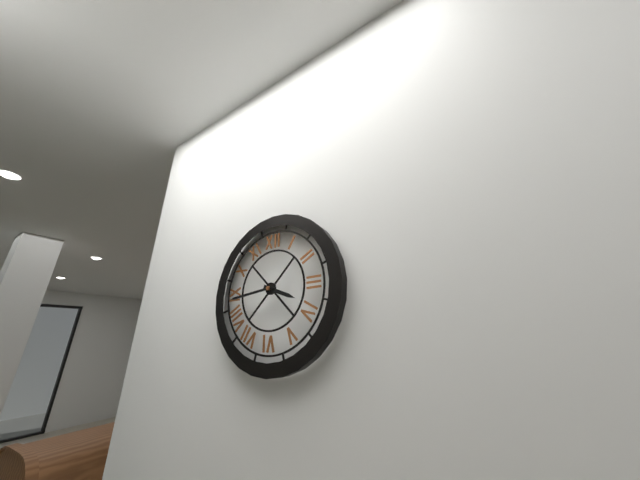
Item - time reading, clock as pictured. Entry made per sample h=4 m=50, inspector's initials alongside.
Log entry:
h=3 m=44
